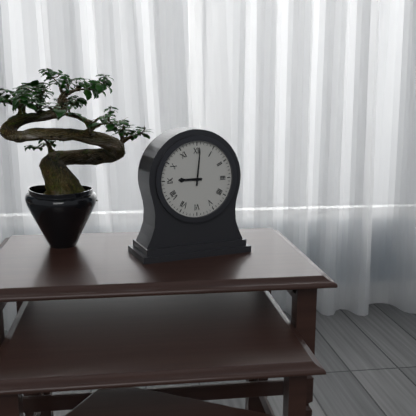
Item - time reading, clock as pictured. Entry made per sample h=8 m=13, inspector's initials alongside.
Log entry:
h=9 m=1
